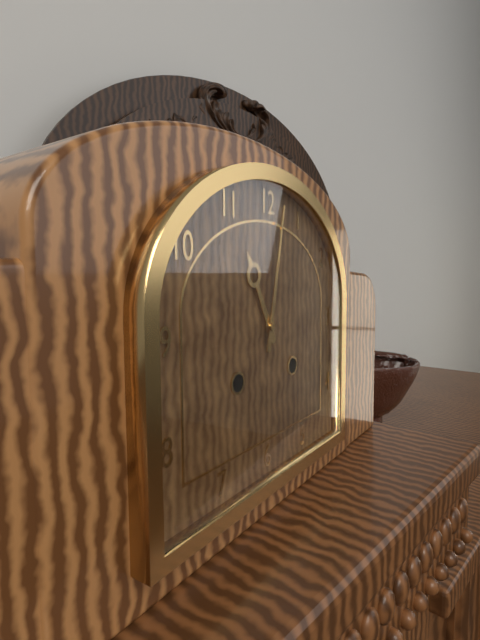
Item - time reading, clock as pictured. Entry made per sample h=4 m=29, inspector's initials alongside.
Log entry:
h=11 m=2
